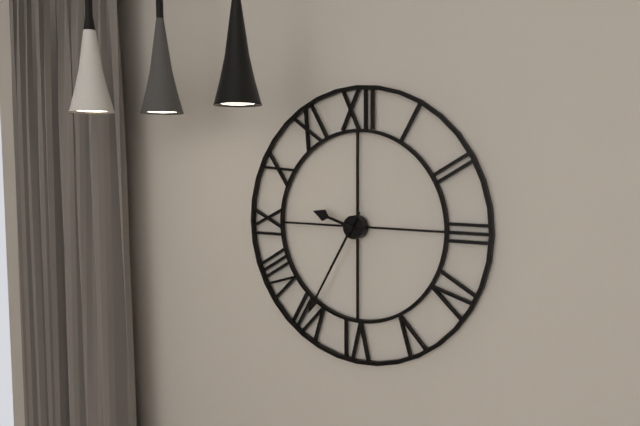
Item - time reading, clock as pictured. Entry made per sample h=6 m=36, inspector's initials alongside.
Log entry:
h=9 m=35
